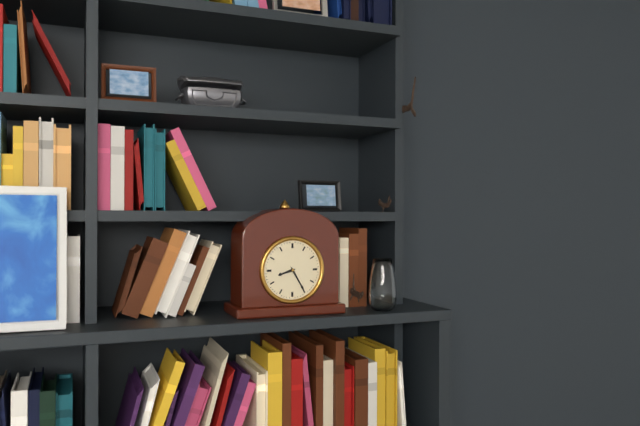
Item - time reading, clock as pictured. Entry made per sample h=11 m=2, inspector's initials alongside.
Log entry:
h=8 m=25
